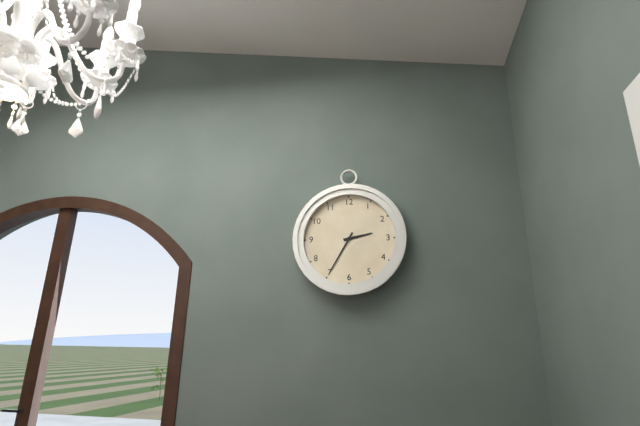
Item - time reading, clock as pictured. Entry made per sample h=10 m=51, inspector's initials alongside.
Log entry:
h=2 m=35
